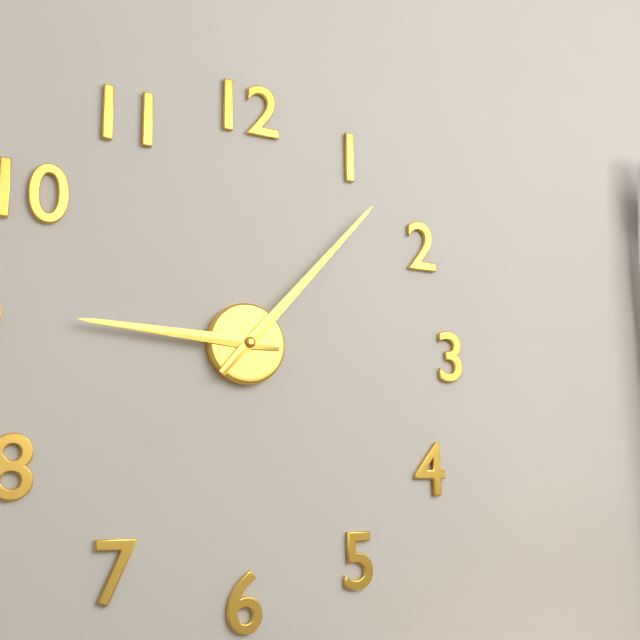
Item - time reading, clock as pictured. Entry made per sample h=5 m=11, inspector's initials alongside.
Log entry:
h=9 m=7
